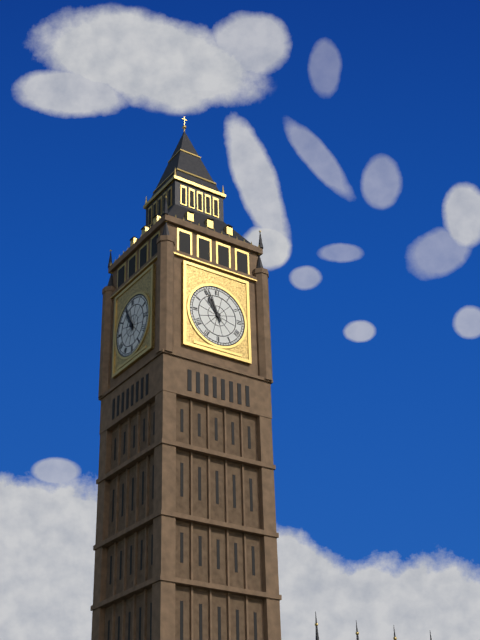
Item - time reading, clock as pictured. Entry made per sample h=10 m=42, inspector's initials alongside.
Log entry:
h=10 m=56
